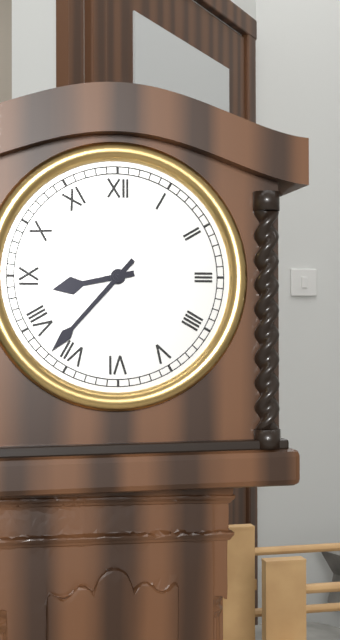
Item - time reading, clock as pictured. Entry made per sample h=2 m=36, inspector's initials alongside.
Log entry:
h=8 m=37
